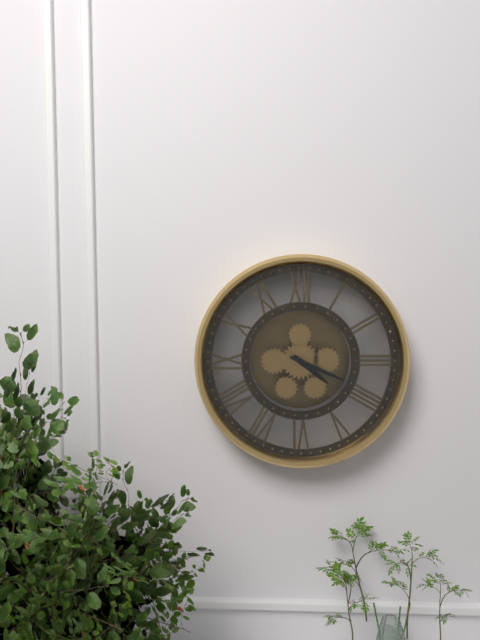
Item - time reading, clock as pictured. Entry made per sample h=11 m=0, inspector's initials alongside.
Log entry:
h=4 m=19
